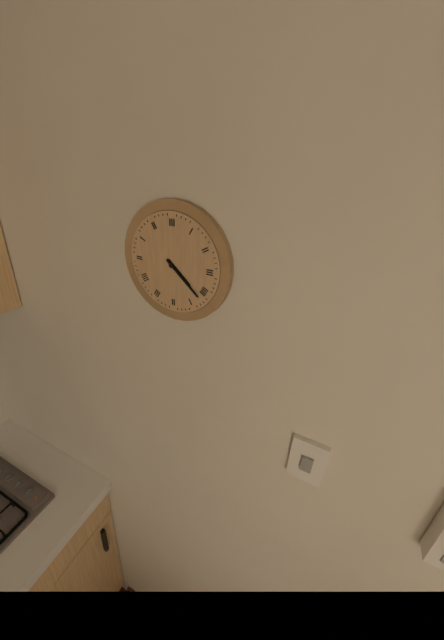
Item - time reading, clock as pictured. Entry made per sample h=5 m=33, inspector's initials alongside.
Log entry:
h=4 m=22
